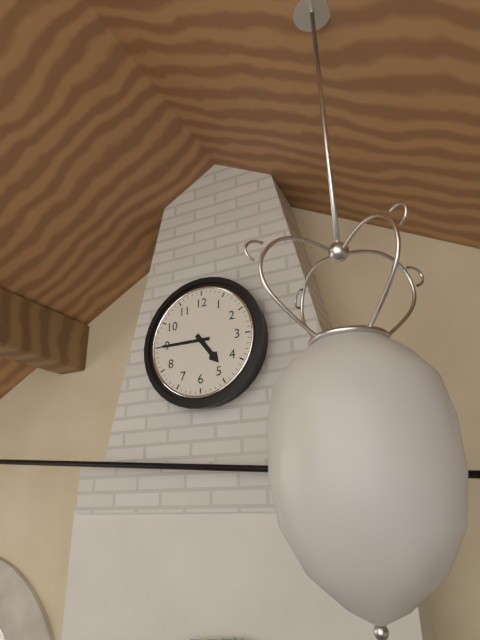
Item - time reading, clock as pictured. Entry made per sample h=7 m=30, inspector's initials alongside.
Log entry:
h=4 m=45
